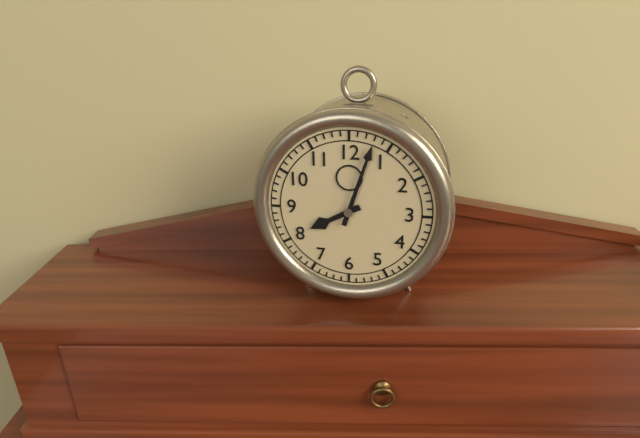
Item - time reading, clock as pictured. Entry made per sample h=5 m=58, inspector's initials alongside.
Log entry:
h=8 m=3
